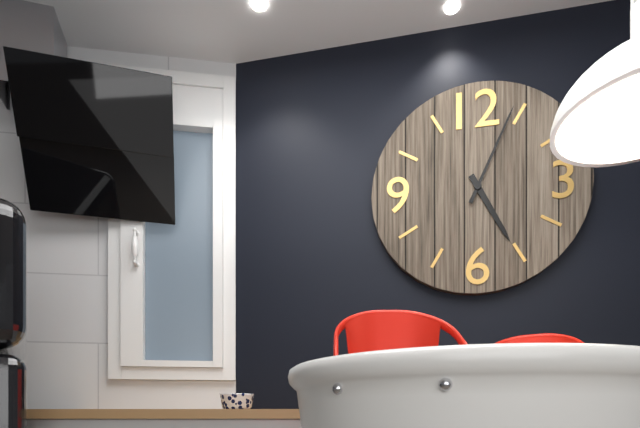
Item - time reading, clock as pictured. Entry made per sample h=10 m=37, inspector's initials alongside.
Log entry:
h=5 m=4
